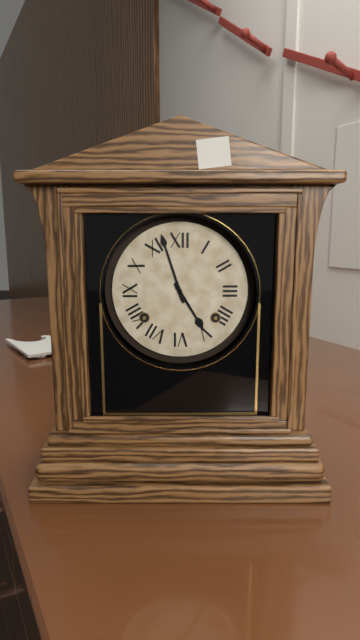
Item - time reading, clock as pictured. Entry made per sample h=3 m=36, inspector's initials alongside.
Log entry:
h=4 m=57
